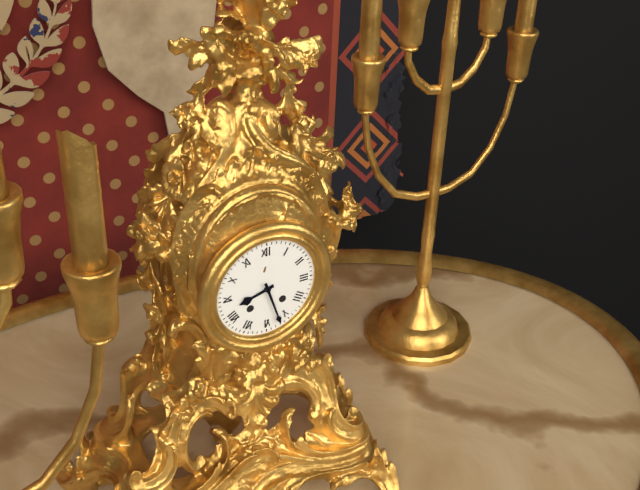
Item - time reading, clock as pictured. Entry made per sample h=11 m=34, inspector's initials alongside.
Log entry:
h=8 m=27
